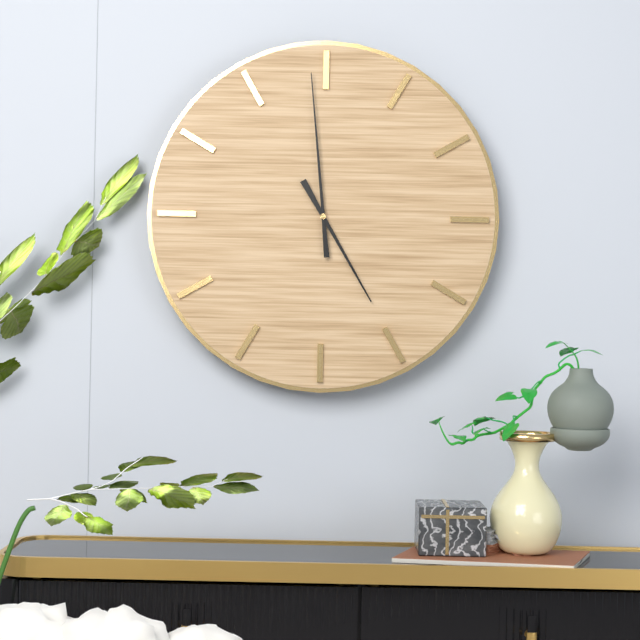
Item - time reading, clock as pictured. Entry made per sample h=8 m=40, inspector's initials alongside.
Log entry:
h=4 m=59
